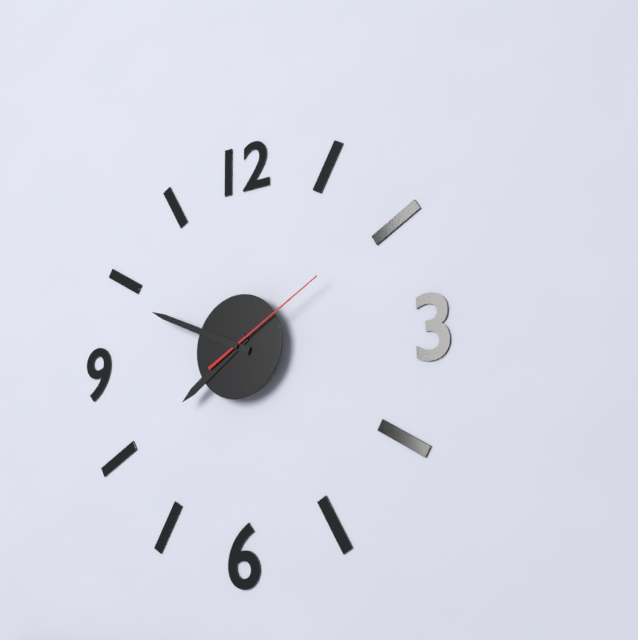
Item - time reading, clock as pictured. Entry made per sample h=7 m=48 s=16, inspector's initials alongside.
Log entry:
h=7 m=49 s=10
